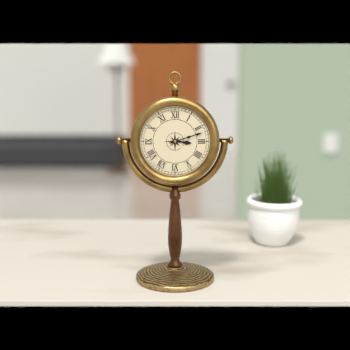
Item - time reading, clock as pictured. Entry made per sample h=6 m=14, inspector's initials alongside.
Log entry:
h=3 m=12
